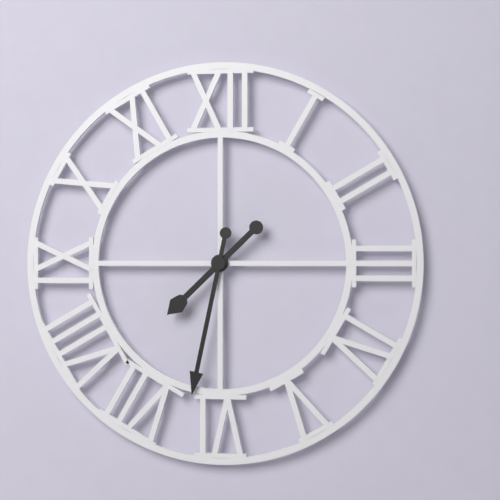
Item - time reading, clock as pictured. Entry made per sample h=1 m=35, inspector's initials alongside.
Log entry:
h=7 m=32
